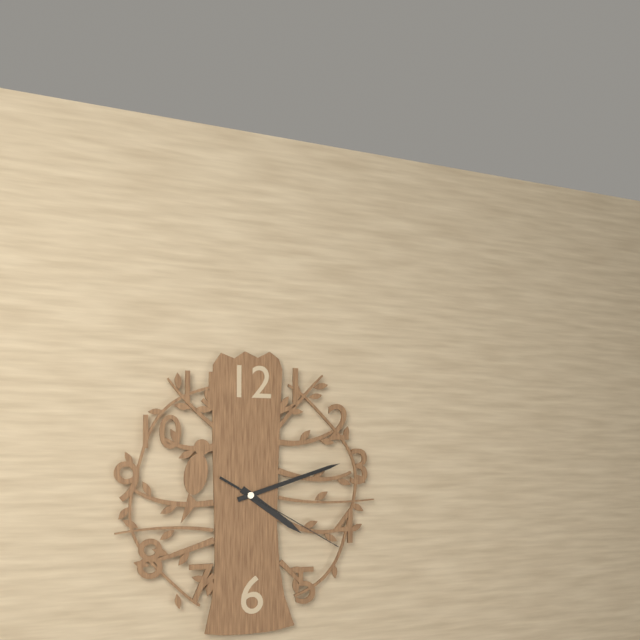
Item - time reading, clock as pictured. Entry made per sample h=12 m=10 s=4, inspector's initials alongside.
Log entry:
h=4 m=12 s=20
